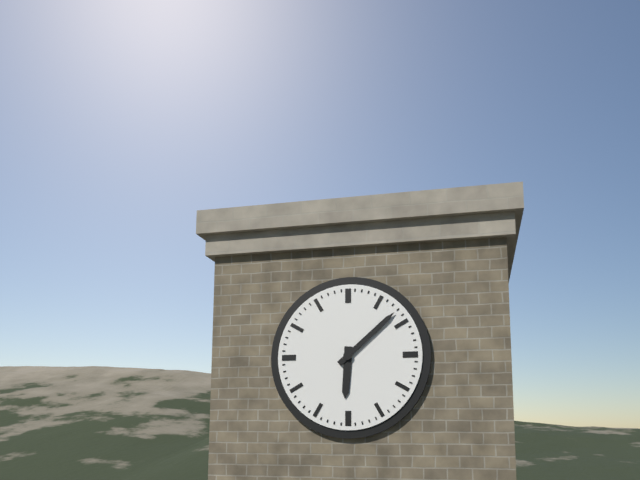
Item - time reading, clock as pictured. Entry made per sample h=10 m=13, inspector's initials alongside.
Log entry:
h=6 m=8
